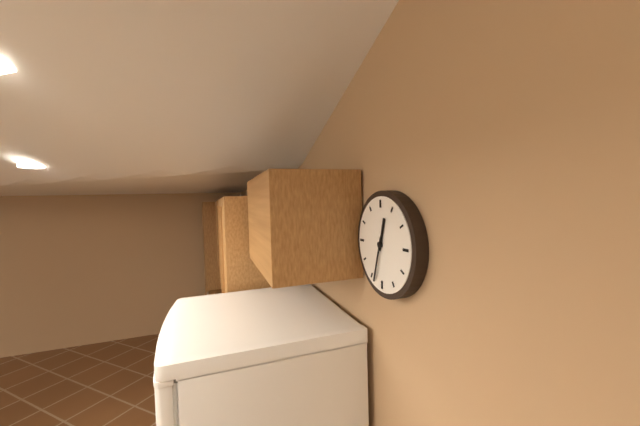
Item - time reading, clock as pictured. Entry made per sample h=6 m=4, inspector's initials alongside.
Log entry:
h=12 m=33
